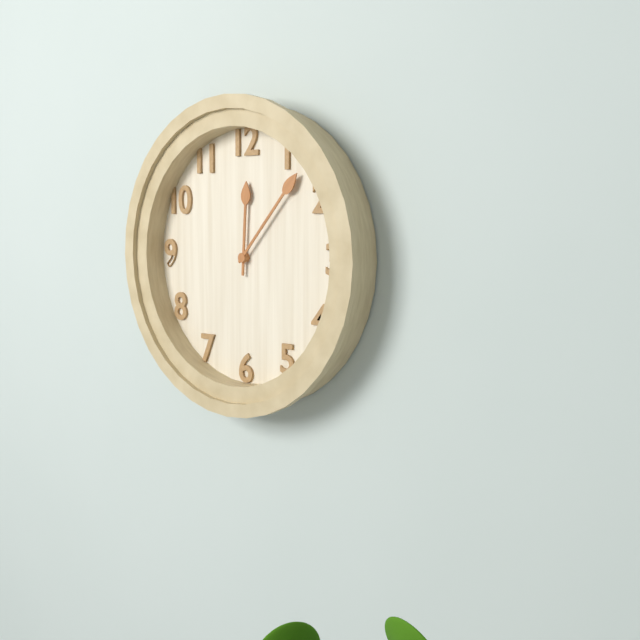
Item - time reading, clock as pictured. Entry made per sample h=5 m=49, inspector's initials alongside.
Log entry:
h=12 m=7
